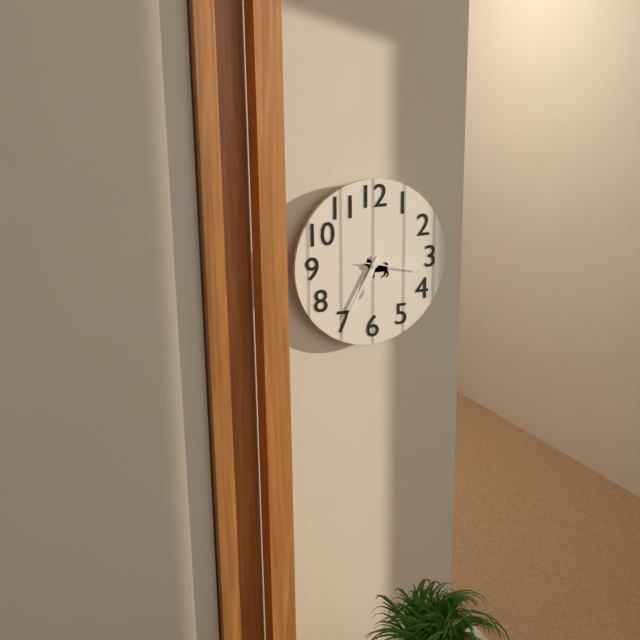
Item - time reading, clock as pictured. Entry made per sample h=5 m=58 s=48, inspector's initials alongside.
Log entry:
h=6 m=35 s=17
